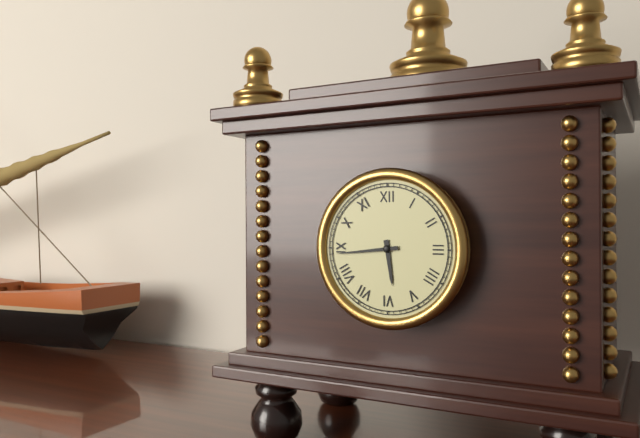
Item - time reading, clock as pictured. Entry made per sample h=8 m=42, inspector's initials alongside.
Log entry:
h=5 m=44
